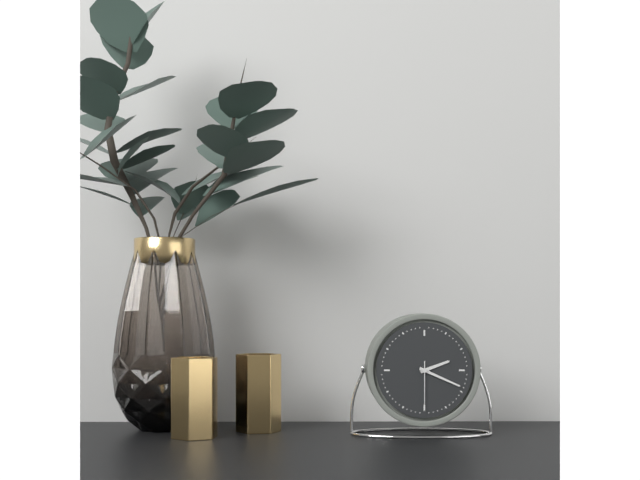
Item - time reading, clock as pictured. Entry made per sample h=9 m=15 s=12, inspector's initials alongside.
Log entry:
h=2 m=19 s=30
